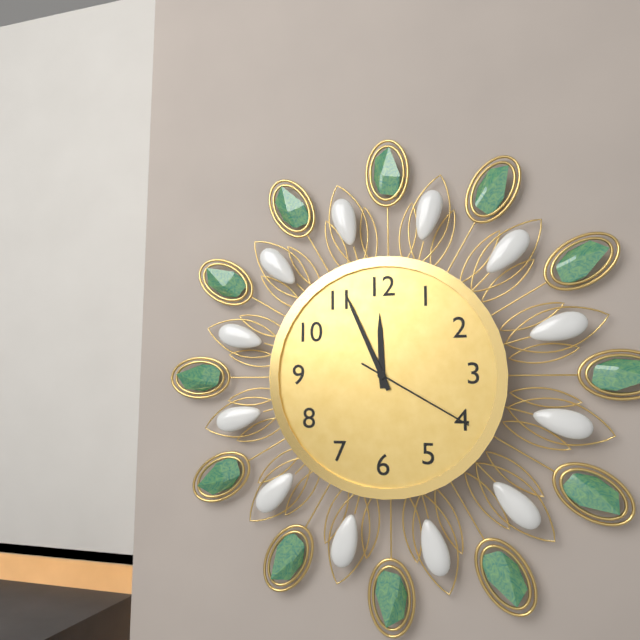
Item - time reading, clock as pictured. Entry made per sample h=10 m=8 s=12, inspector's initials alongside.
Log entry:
h=11 m=56 s=20
